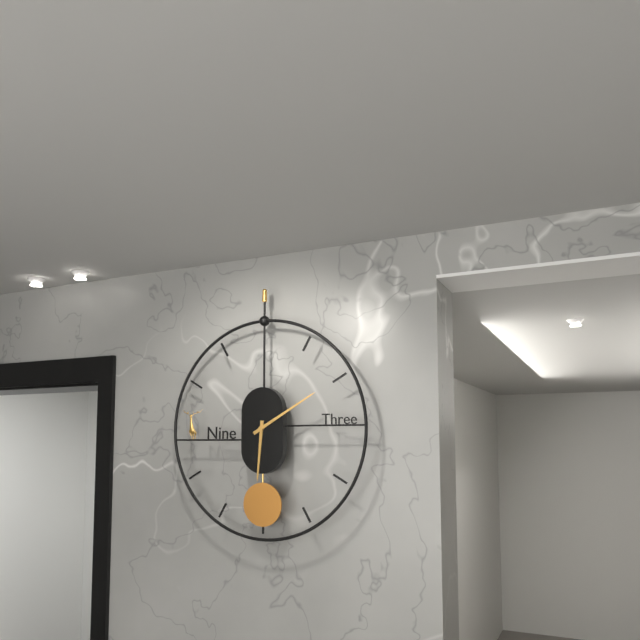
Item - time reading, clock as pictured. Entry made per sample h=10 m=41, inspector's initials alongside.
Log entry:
h=6 m=10
